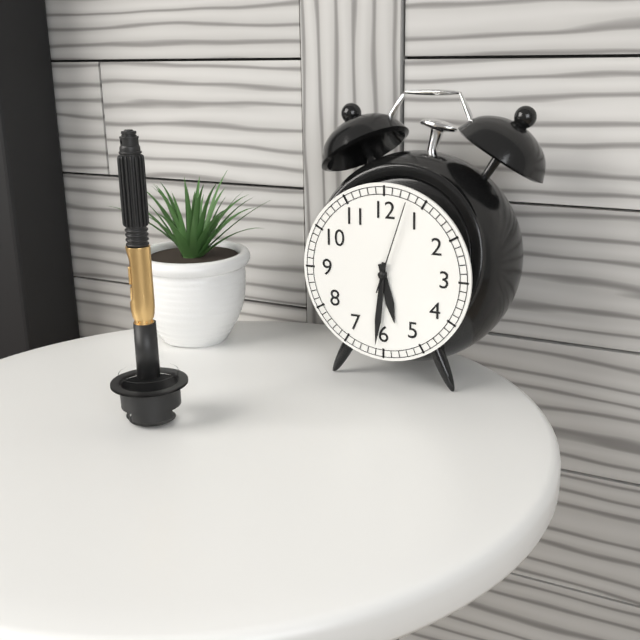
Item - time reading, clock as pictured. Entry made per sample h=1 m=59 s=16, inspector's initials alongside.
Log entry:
h=5 m=31 s=3
